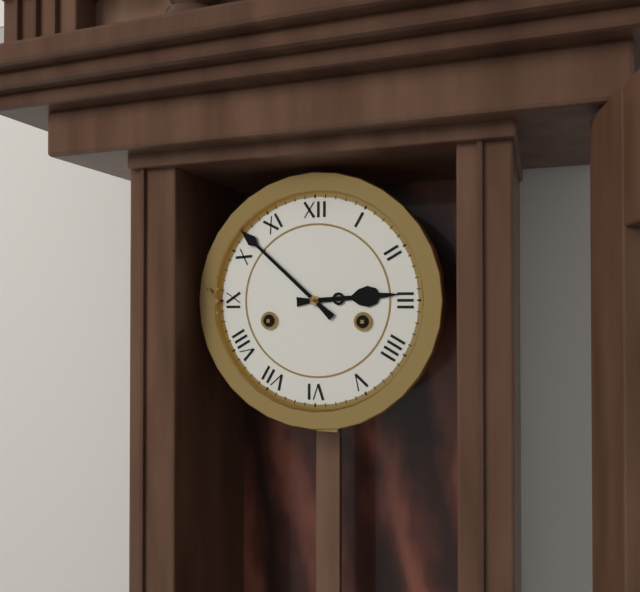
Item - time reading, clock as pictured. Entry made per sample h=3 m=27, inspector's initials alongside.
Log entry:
h=2 m=52
